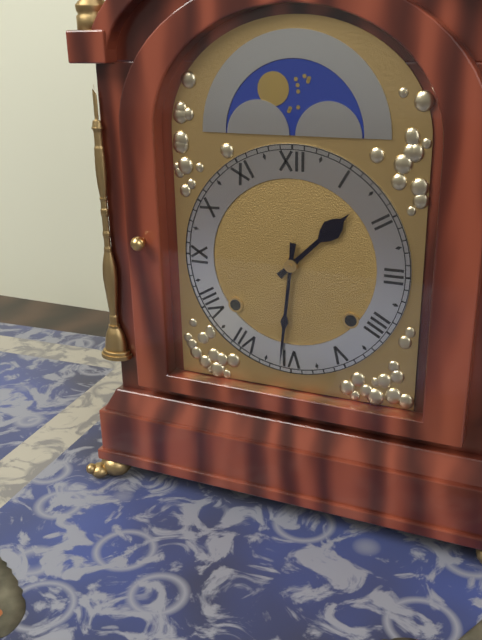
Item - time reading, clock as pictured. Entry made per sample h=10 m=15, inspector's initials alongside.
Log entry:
h=1 m=31
